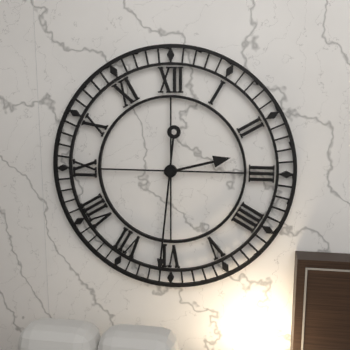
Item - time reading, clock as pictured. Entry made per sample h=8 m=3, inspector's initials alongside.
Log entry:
h=2 m=31
